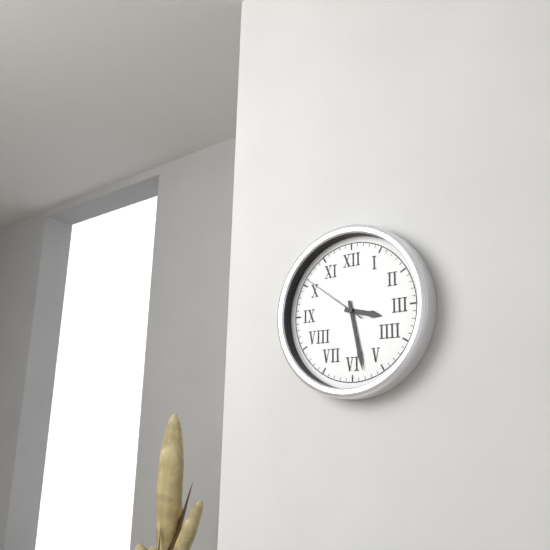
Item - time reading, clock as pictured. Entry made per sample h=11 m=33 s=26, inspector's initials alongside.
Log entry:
h=3 m=28 s=51
